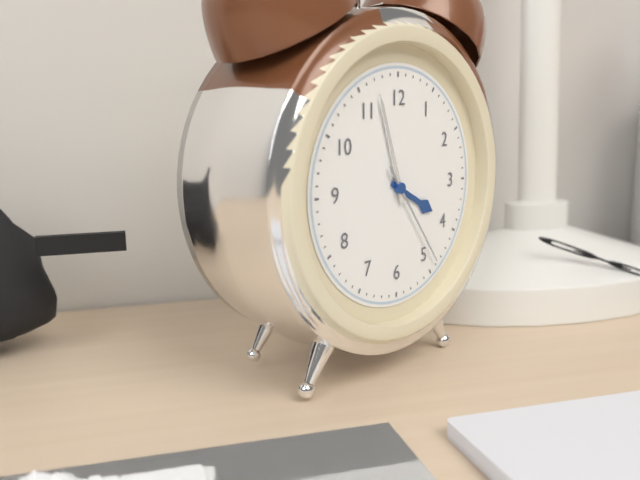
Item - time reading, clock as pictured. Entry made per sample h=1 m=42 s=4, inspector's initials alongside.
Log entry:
h=3 m=57 s=24
